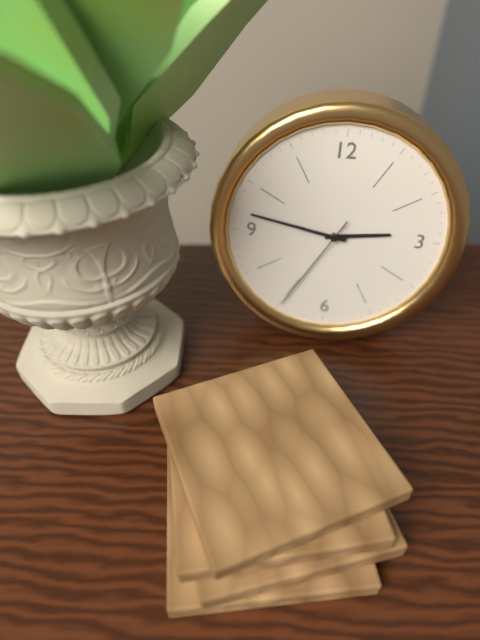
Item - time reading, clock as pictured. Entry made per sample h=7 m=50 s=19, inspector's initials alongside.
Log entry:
h=2 m=47 s=35
